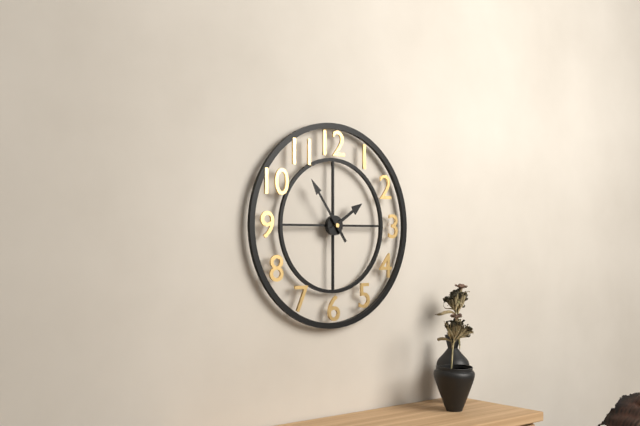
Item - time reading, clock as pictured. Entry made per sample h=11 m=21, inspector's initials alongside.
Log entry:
h=1 m=54
